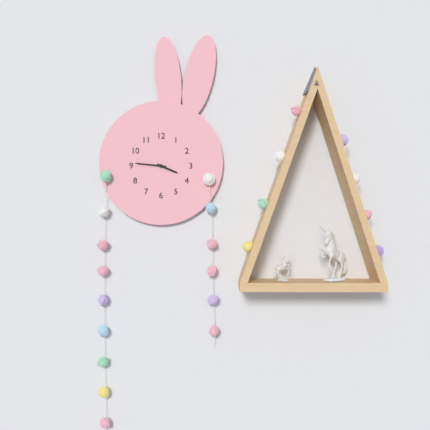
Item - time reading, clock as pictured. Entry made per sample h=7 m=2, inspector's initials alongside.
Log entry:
h=3 m=46
